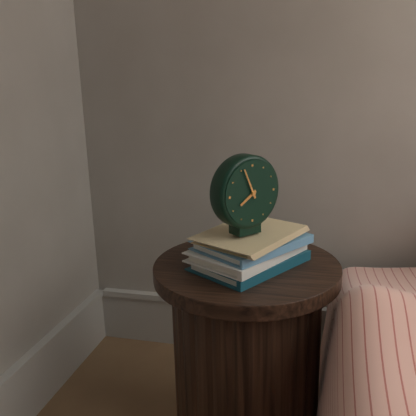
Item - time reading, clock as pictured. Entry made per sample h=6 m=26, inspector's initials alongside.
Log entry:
h=7 m=56
